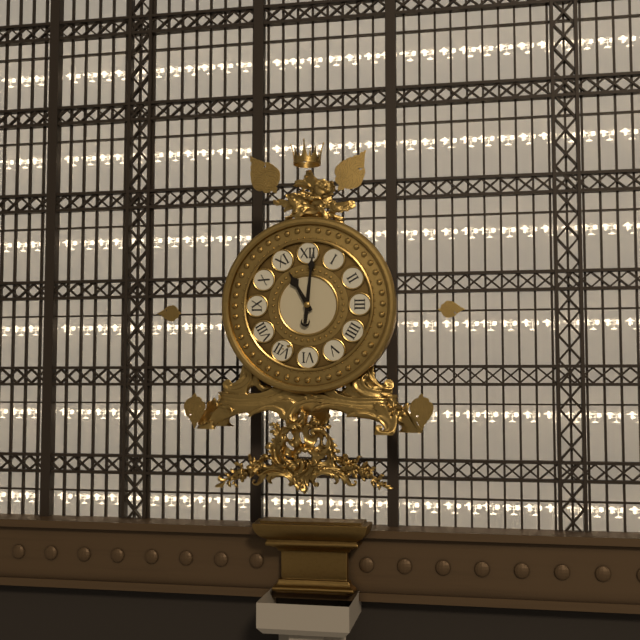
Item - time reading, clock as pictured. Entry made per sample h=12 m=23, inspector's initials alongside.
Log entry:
h=11 m=1
